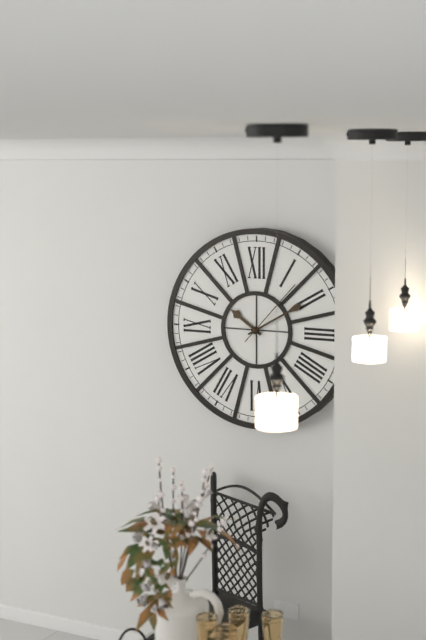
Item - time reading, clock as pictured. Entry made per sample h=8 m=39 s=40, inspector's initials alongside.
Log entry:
h=10 m=10 s=7
